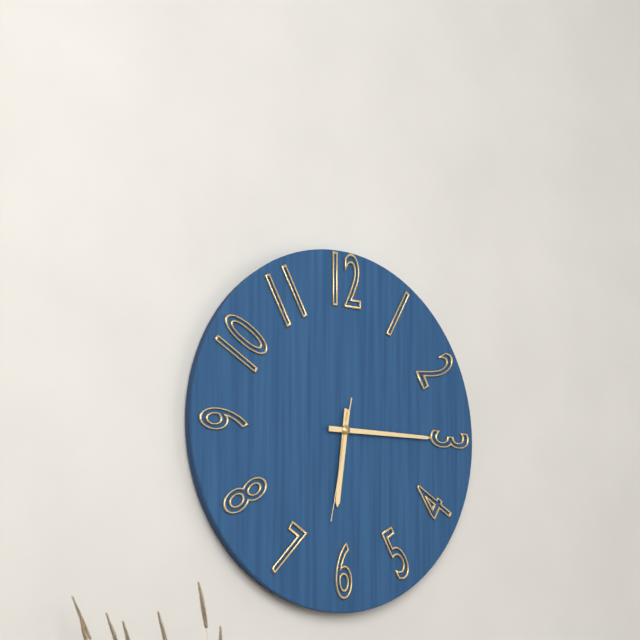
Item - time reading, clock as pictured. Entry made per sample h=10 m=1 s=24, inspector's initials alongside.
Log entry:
h=6 m=15 s=32
